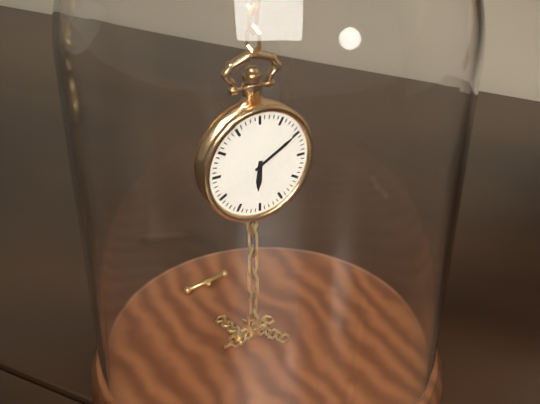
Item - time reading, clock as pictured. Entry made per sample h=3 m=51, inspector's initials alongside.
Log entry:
h=6 m=10
